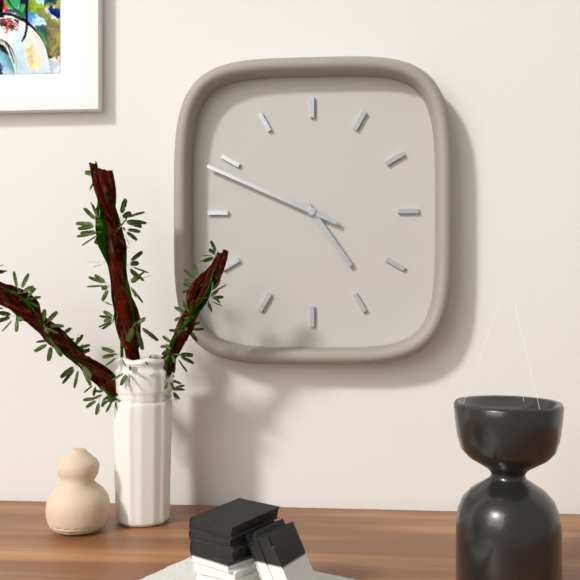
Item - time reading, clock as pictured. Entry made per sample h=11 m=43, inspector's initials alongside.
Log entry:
h=4 m=49
